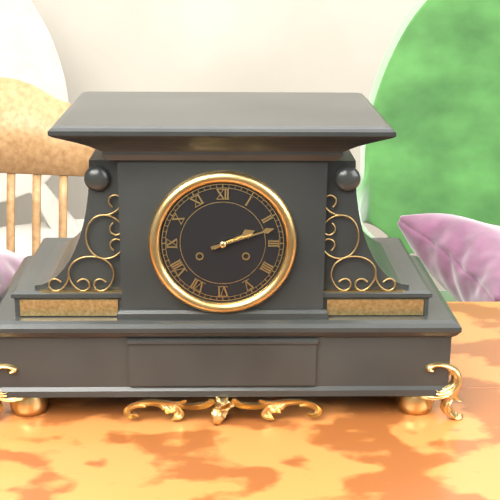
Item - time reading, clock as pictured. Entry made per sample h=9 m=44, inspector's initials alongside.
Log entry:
h=2 m=12
